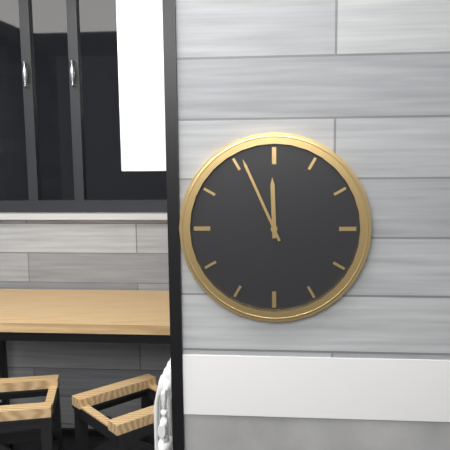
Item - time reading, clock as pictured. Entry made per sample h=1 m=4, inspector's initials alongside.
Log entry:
h=11 m=56
